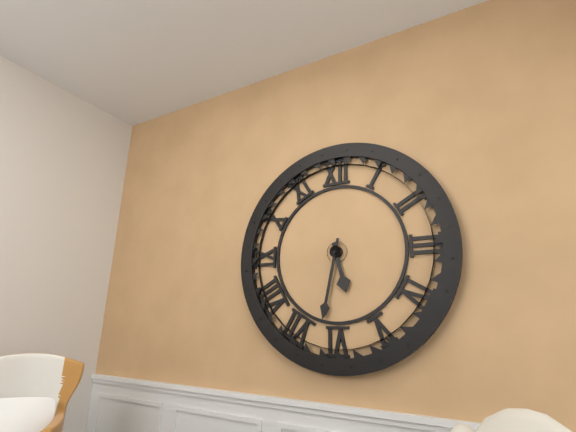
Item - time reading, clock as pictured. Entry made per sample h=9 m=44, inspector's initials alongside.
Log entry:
h=5 m=32
